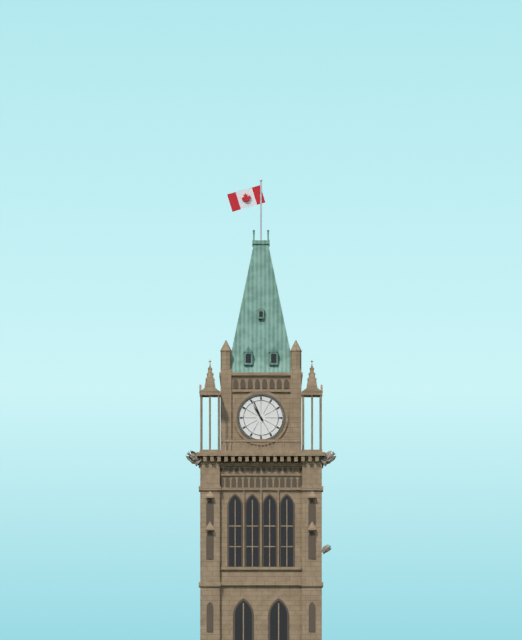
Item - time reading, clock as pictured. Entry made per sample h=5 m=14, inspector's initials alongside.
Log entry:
h=10 m=56
